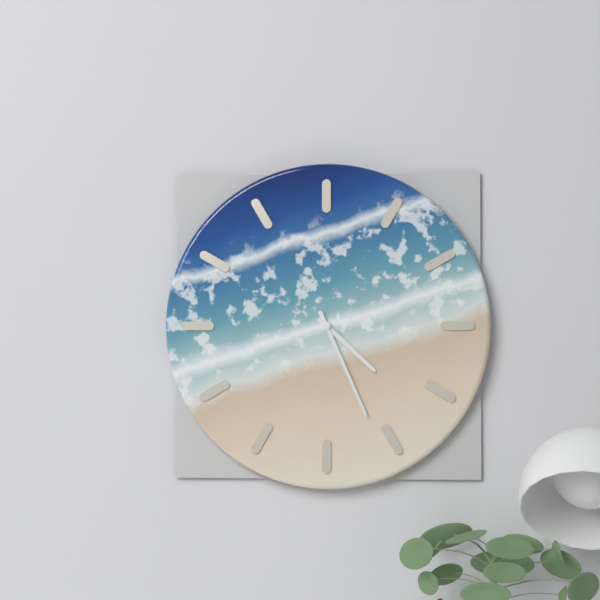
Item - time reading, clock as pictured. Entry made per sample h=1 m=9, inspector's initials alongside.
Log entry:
h=4 m=26
